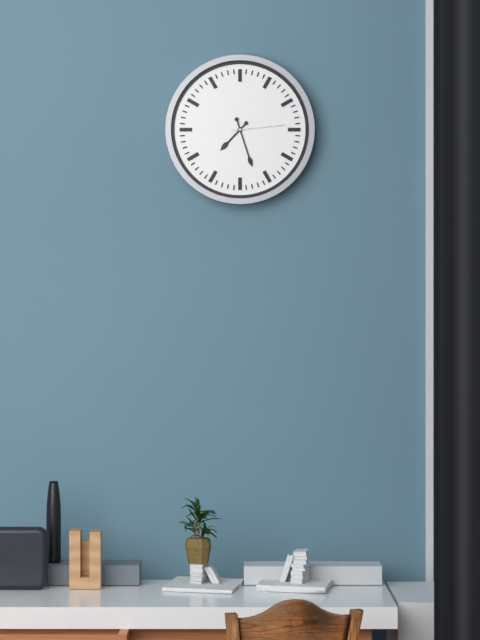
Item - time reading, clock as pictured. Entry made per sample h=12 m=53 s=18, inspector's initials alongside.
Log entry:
h=7 m=27 s=14
